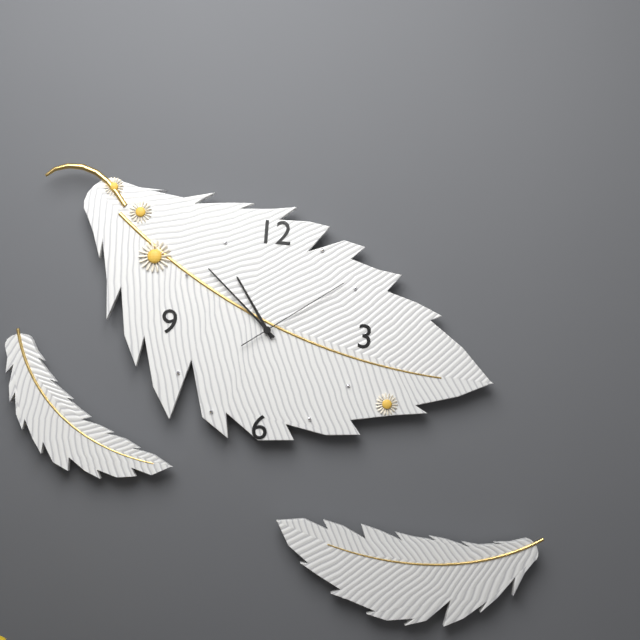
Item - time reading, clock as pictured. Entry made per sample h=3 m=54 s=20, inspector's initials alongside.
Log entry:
h=10 m=52 s=9
